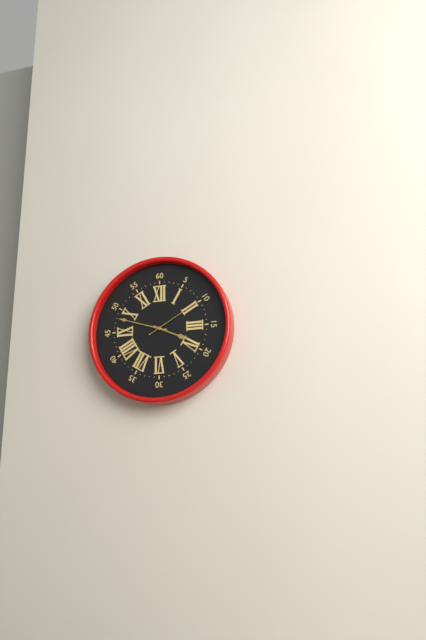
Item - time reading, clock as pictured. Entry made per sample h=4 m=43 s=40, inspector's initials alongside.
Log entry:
h=3 m=48 s=10
